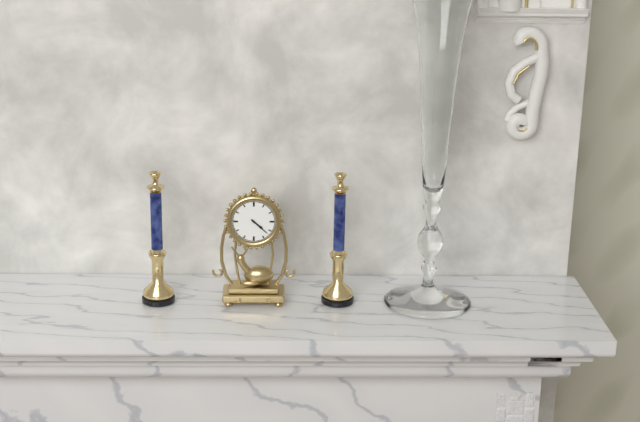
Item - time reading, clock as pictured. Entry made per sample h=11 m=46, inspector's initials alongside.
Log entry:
h=4 m=22
